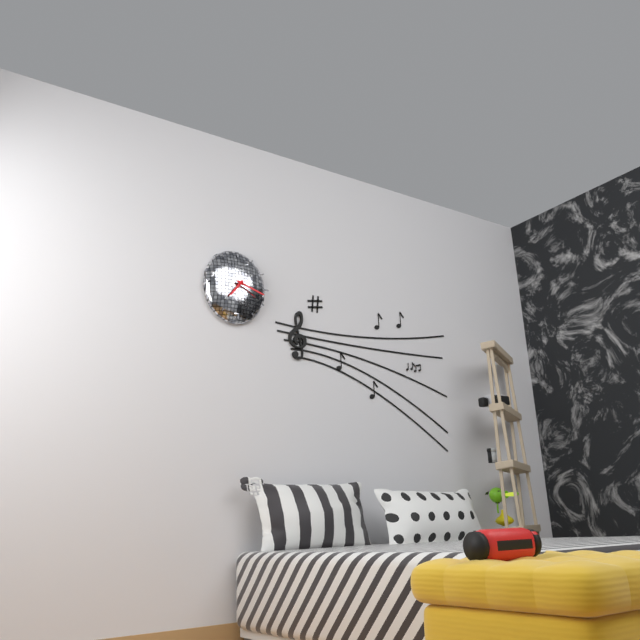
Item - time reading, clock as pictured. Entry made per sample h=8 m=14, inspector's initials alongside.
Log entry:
h=7 m=18
